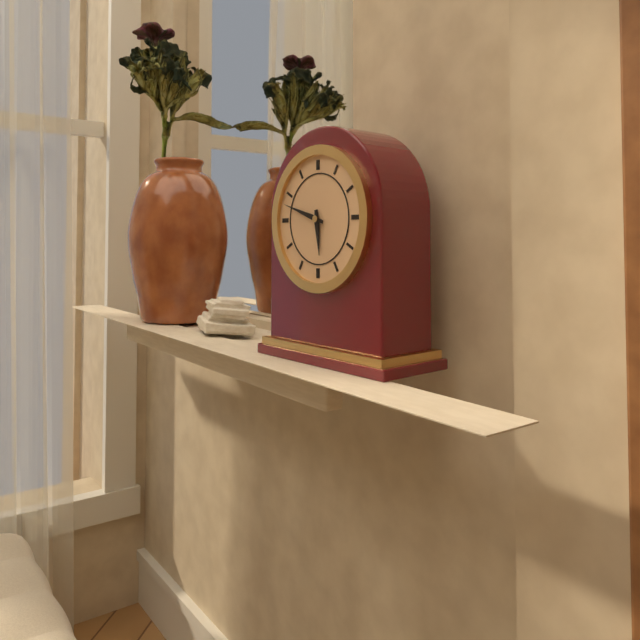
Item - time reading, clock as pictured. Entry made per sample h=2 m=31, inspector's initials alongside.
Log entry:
h=5 m=48
